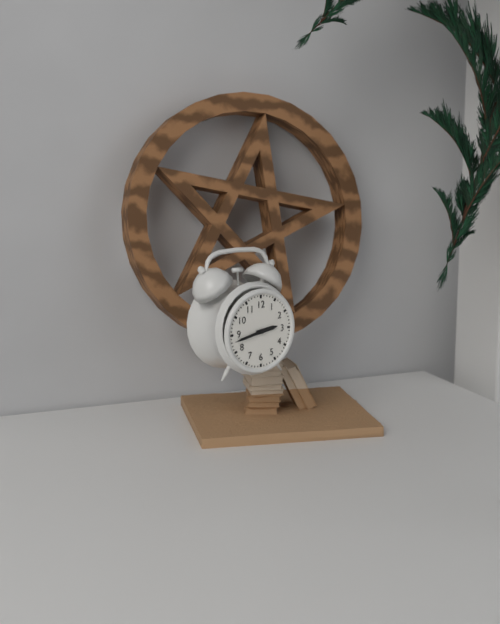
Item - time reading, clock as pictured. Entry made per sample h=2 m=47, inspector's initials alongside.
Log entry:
h=2 m=43
